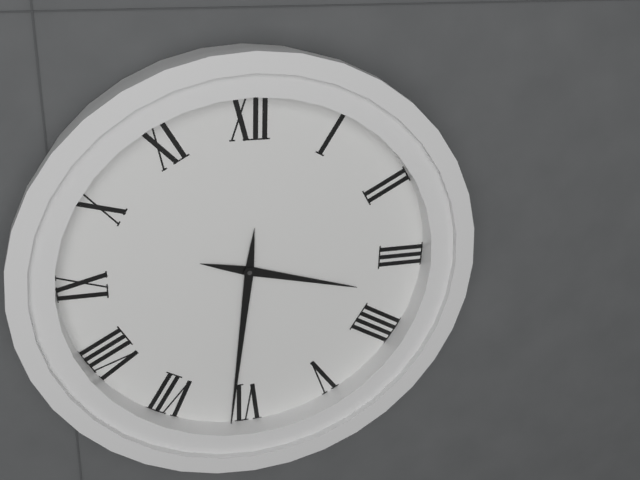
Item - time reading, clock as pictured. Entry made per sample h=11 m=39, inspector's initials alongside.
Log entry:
h=3 m=31
